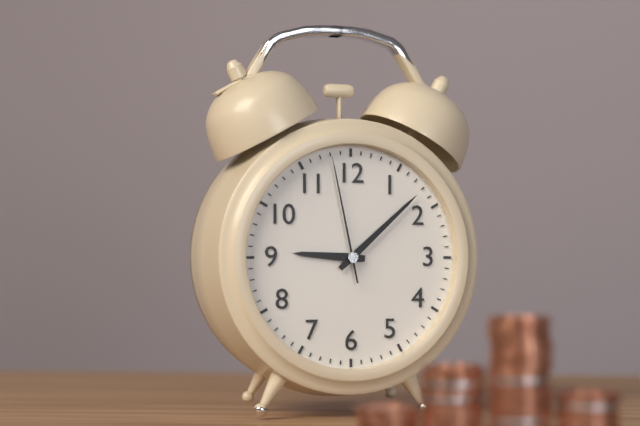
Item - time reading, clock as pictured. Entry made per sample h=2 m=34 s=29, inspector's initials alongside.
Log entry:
h=9 m=8 s=58
